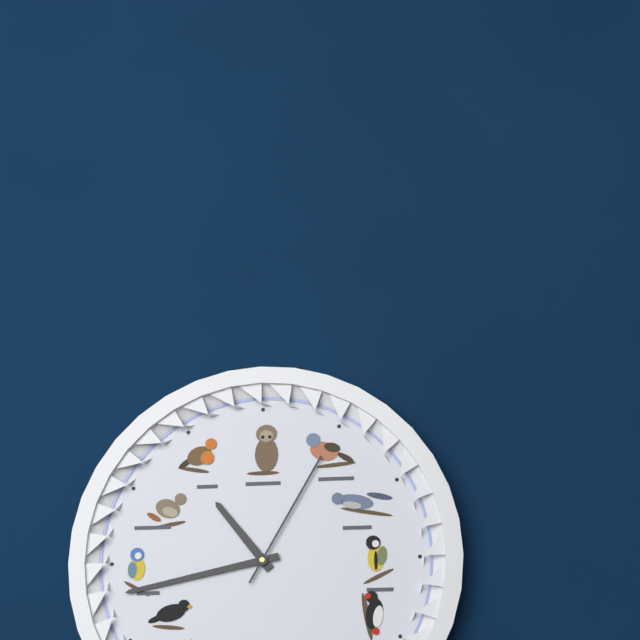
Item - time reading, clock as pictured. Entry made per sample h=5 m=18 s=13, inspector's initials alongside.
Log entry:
h=10 m=43 s=5
